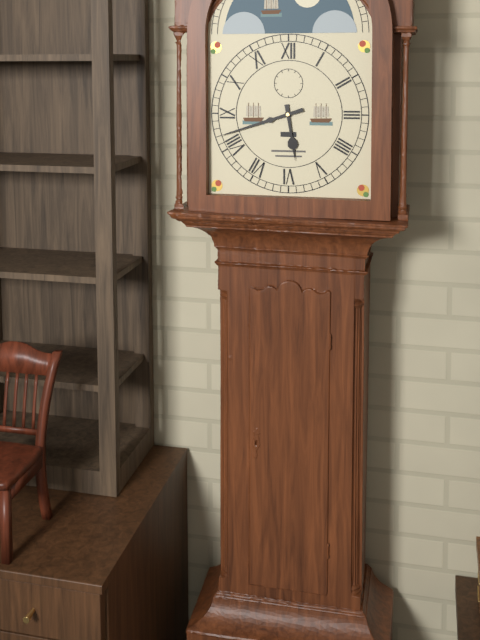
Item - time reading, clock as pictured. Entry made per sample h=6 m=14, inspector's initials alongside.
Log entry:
h=5 m=42
